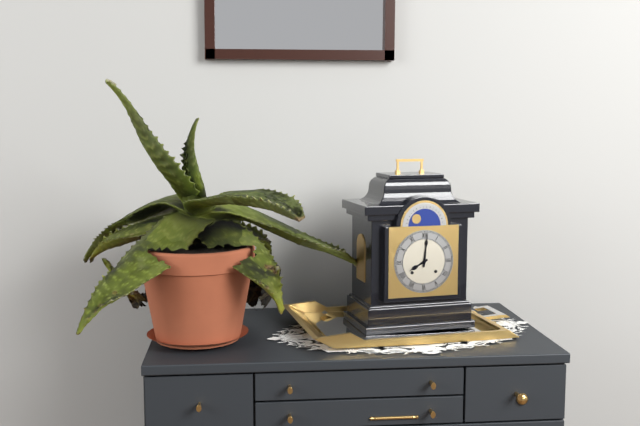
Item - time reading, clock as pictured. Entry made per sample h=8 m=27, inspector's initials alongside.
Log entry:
h=8 m=1
